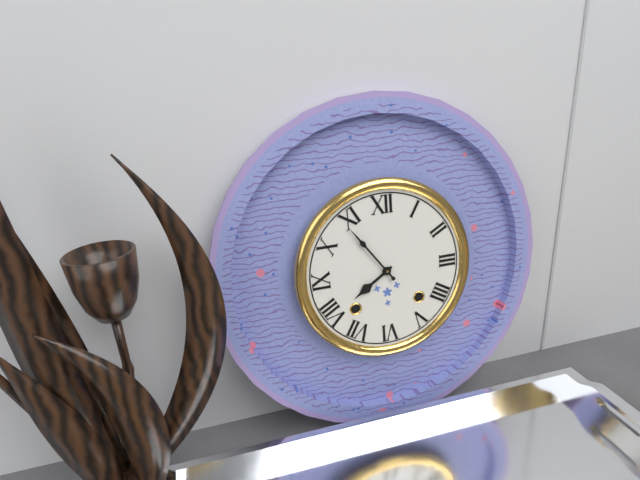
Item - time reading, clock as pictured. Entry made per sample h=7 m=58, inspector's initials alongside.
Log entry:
h=7 m=54
